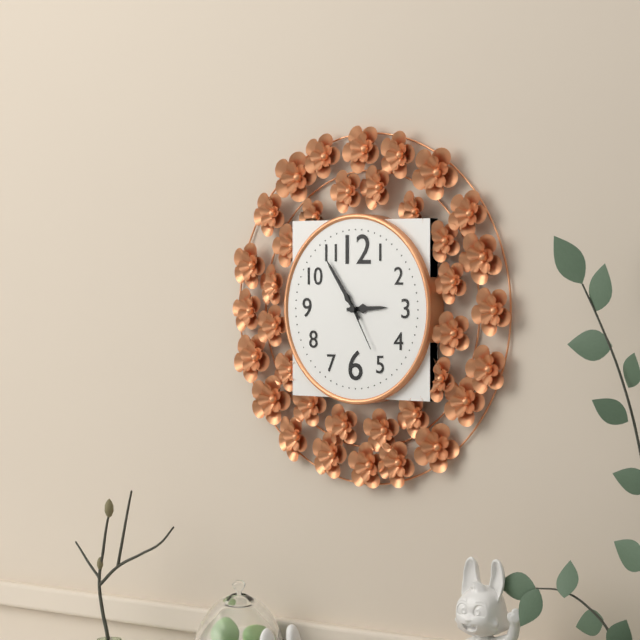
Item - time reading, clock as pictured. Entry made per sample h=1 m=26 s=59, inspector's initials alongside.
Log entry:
h=2 m=54 s=25
